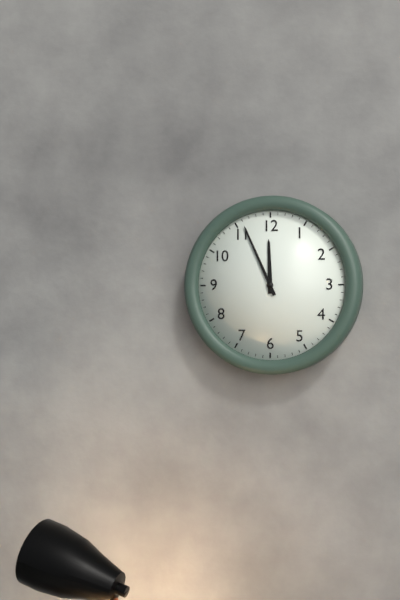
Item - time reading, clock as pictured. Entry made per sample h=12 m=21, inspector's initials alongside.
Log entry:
h=11 m=56
